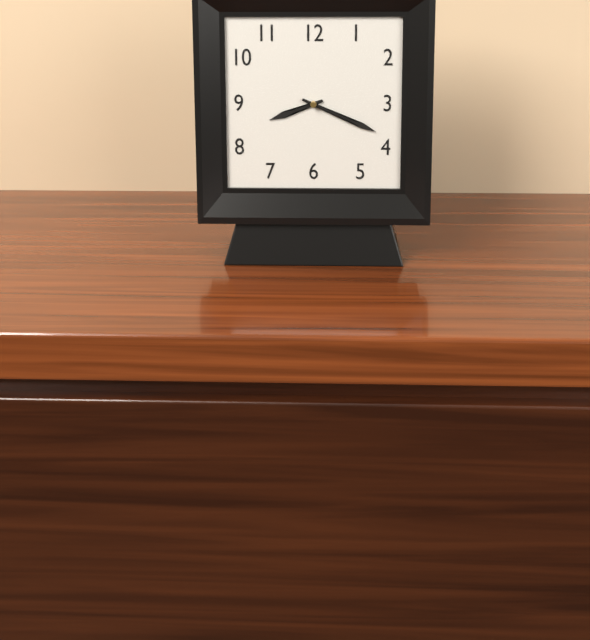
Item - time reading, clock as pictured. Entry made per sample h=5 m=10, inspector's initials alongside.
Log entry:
h=8 m=19
